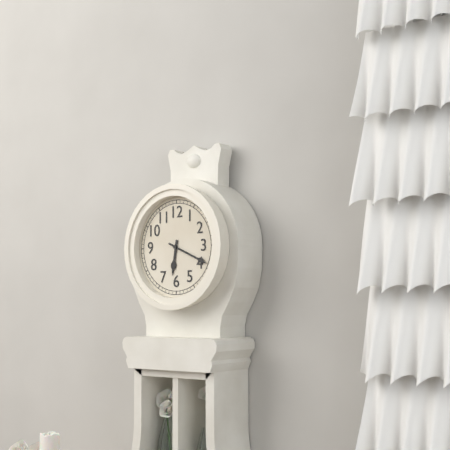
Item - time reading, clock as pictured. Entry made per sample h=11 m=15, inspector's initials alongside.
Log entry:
h=6 m=19
